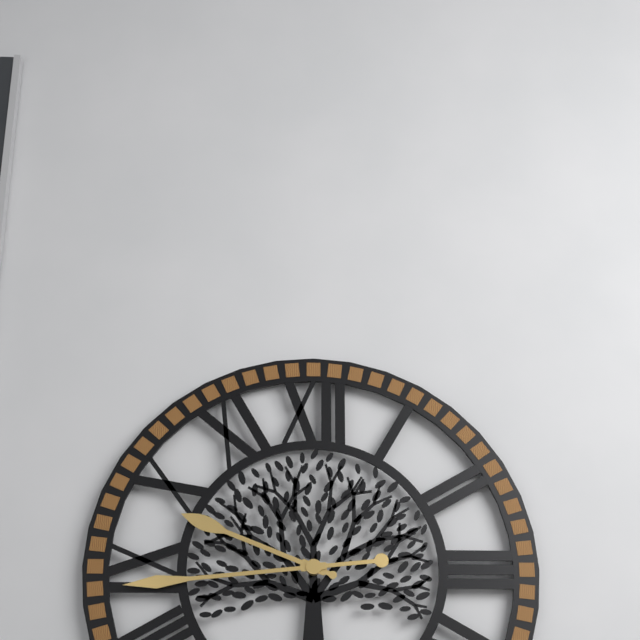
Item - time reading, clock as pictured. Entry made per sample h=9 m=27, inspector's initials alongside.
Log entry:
h=9 m=44
